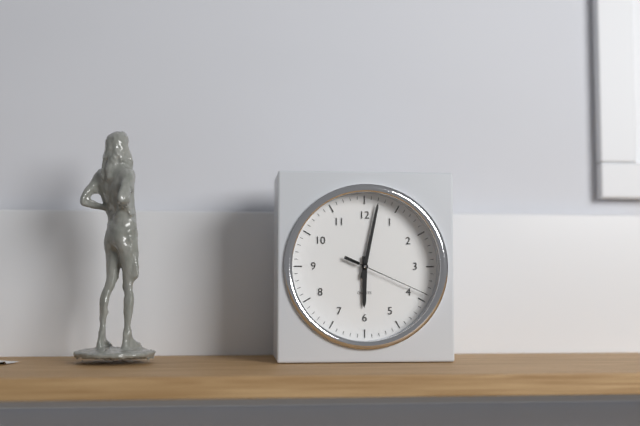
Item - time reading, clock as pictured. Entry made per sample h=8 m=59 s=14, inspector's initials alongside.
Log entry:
h=6 m=2 s=19
